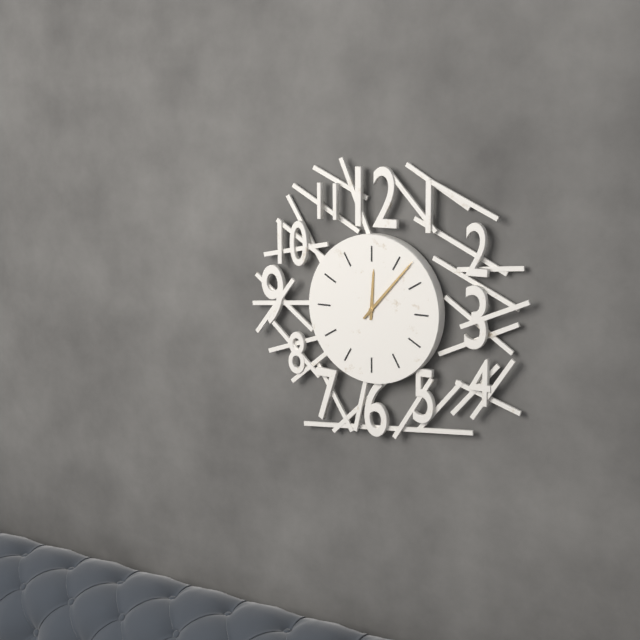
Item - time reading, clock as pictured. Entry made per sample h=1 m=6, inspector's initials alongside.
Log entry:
h=12 m=7
